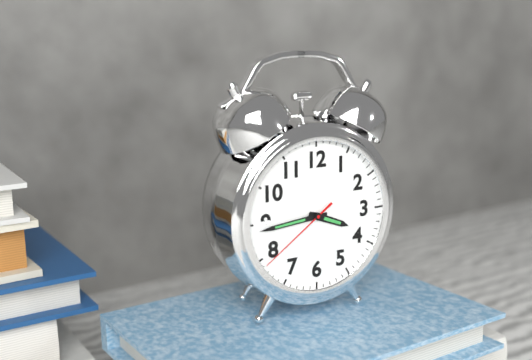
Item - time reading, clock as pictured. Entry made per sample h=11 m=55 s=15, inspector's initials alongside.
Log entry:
h=3 m=44 s=39
